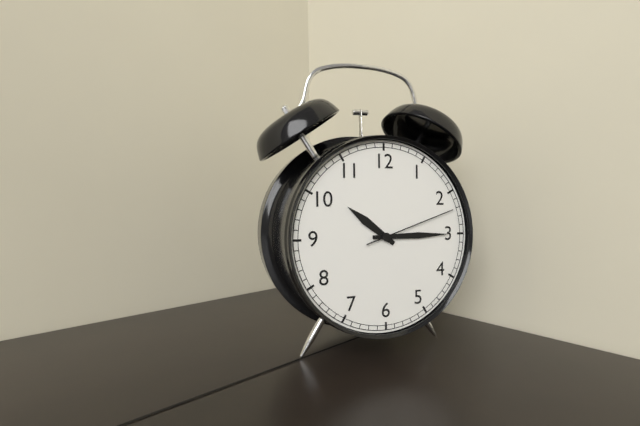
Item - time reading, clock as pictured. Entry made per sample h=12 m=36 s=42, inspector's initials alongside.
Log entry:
h=10 m=15 s=12
